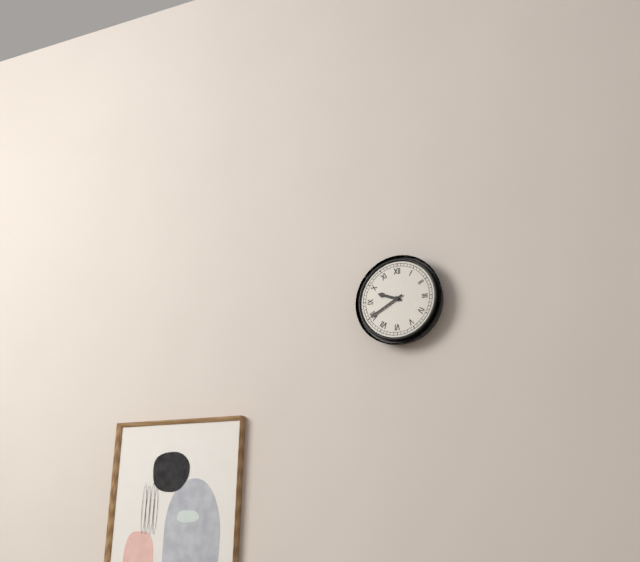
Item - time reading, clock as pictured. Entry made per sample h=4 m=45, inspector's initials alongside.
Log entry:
h=9 m=40
